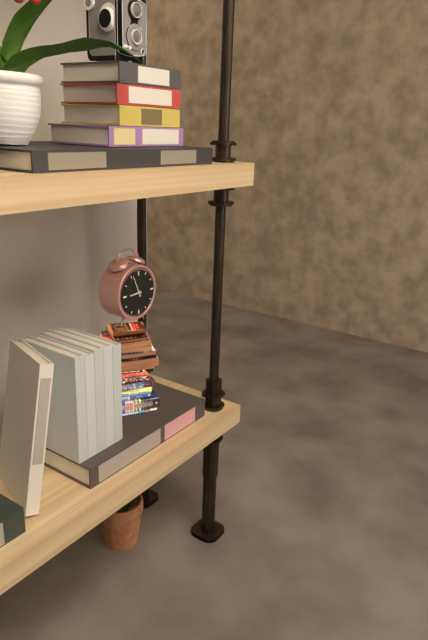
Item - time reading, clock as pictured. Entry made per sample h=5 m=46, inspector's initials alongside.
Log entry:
h=8 m=56
